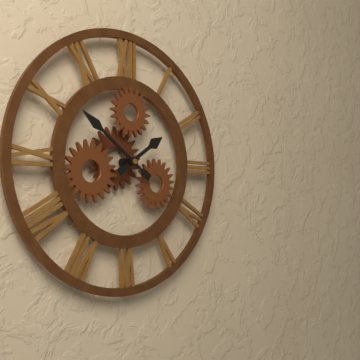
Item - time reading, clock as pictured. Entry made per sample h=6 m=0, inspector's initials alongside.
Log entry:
h=1 m=51
